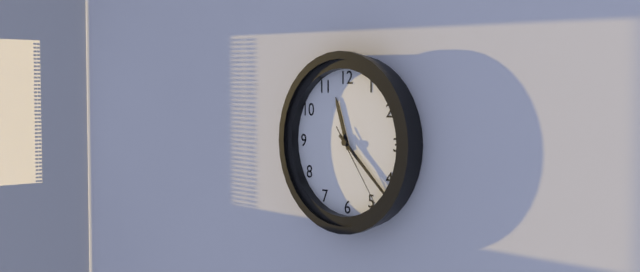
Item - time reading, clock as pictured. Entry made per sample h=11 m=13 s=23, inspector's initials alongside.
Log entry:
h=11 m=22 s=24
